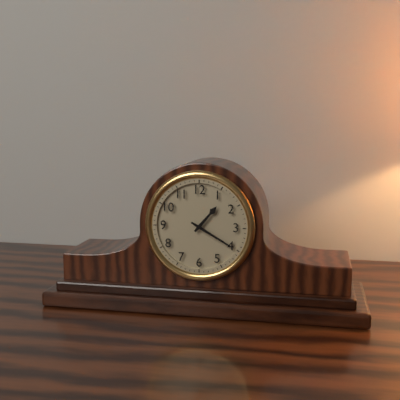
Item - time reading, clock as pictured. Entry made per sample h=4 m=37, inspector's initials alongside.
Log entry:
h=1 m=20
